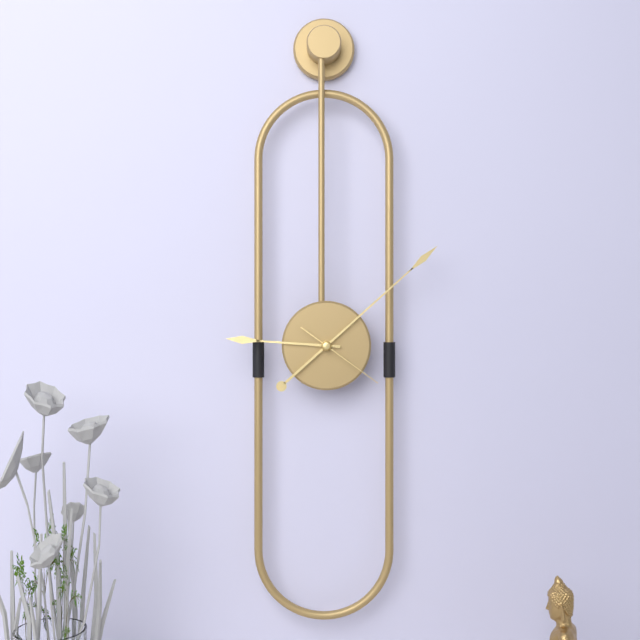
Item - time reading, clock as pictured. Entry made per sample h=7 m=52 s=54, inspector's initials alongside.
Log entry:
h=9 m=8 s=21
